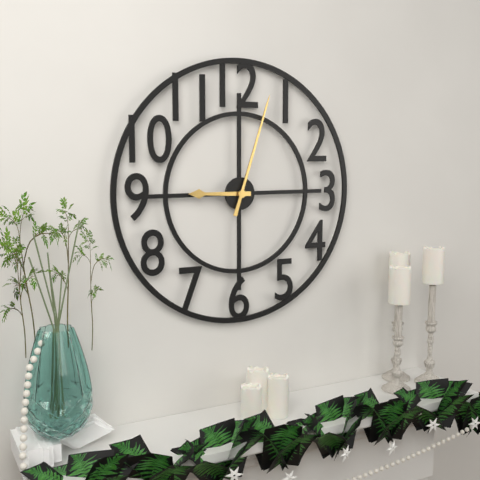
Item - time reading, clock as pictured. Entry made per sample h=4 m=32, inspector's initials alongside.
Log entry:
h=9 m=3
